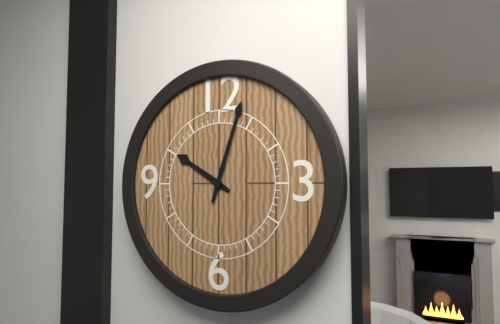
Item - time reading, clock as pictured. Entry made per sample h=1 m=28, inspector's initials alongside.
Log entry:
h=10 m=3
